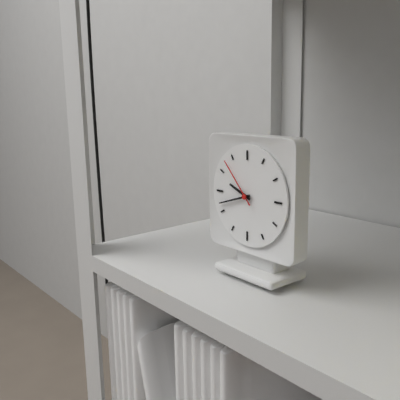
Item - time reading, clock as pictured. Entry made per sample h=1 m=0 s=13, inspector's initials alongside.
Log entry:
h=9 m=42 s=53
